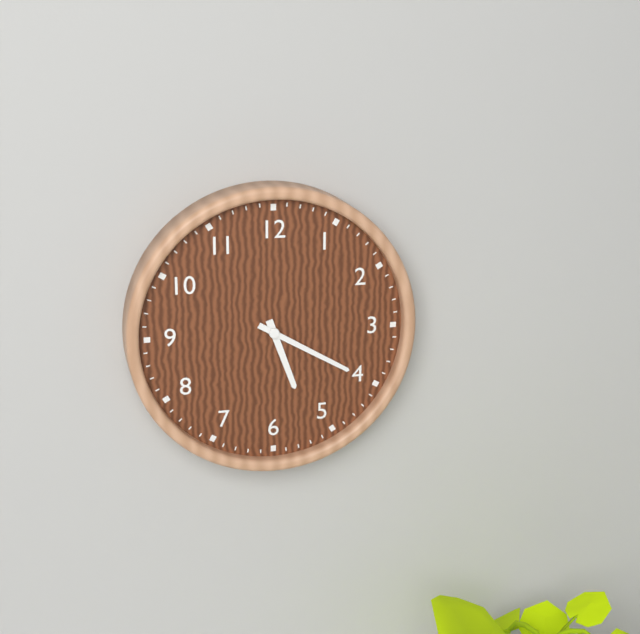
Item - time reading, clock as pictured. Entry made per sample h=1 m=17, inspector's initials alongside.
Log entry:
h=5 m=20
